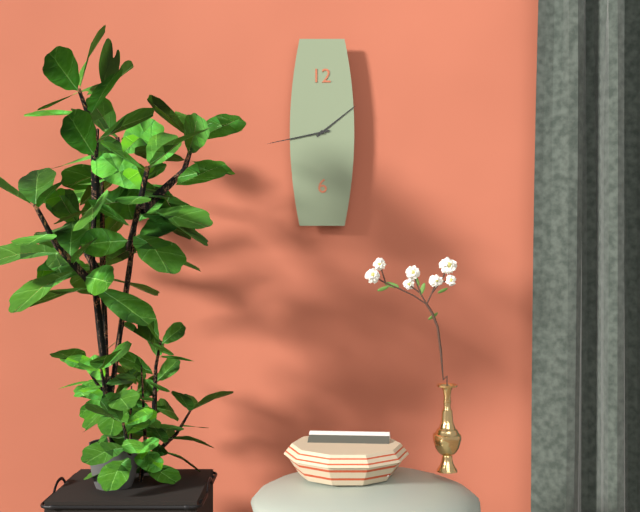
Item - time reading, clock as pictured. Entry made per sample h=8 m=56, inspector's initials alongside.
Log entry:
h=1 m=43
